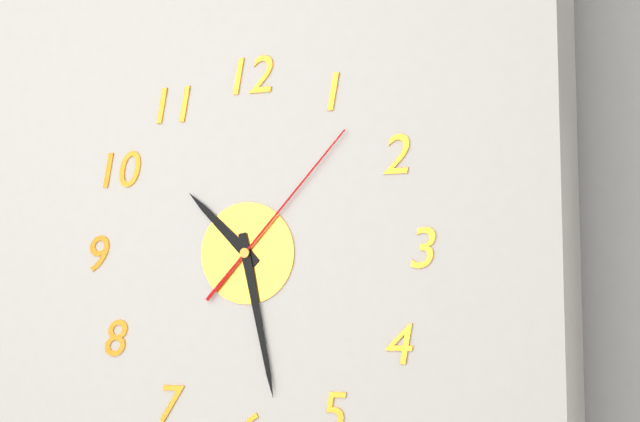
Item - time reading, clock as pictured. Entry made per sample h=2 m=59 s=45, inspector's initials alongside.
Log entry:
h=10 m=28 s=7
